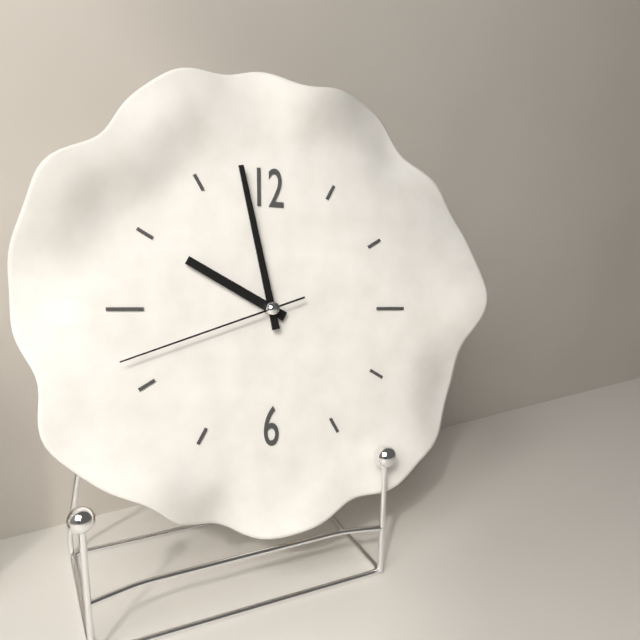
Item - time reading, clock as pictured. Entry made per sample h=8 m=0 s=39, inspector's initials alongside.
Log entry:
h=9 m=58 s=42
